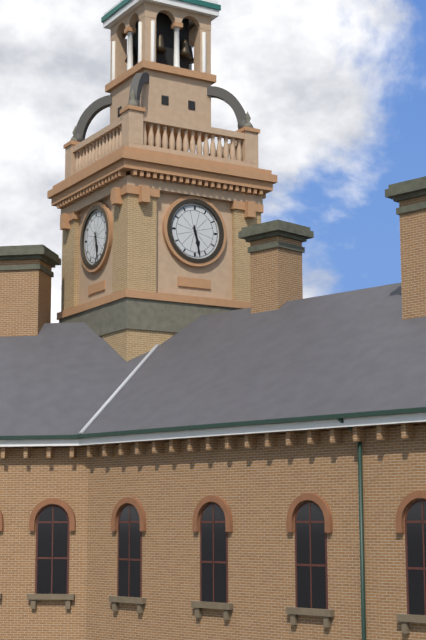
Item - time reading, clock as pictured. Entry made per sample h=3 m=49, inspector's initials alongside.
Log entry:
h=5 m=28
